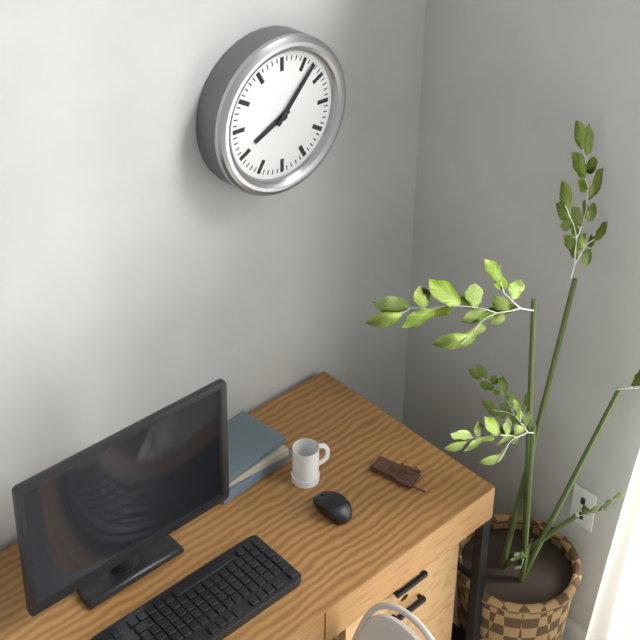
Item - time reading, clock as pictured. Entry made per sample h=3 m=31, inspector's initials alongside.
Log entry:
h=8 m=7
